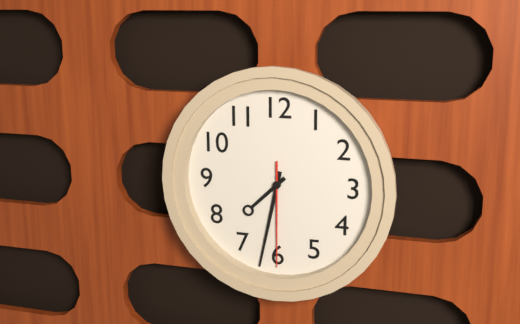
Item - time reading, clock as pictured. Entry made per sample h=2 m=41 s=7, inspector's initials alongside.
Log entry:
h=7 m=32 s=30
